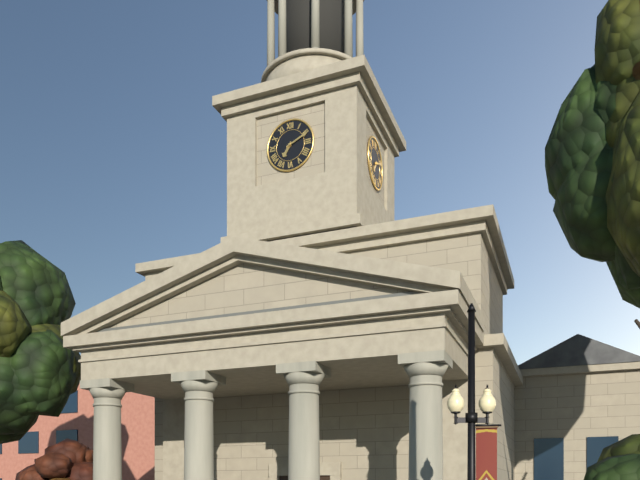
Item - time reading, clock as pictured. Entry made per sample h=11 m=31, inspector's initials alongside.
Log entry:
h=7 m=11
